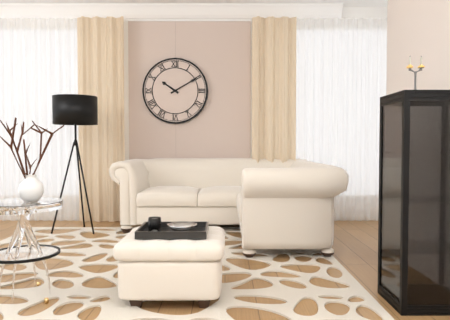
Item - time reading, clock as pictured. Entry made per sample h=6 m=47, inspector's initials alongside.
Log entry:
h=10 m=10
